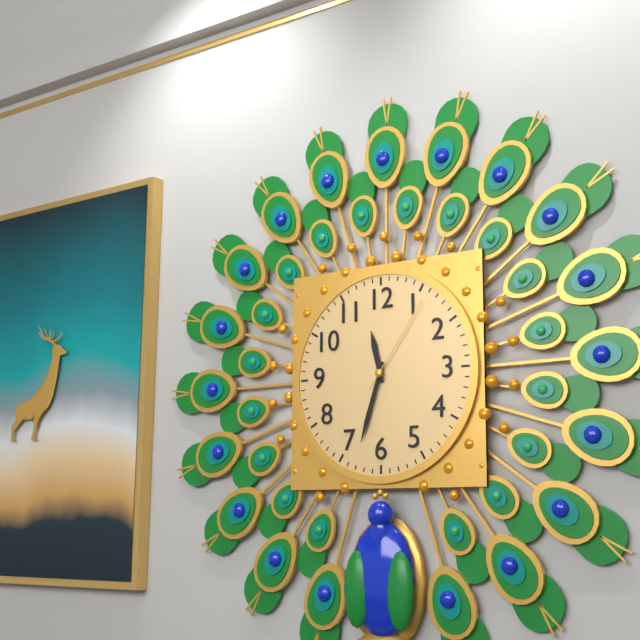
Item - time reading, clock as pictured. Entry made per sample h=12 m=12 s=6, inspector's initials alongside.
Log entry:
h=11 m=33 s=6
